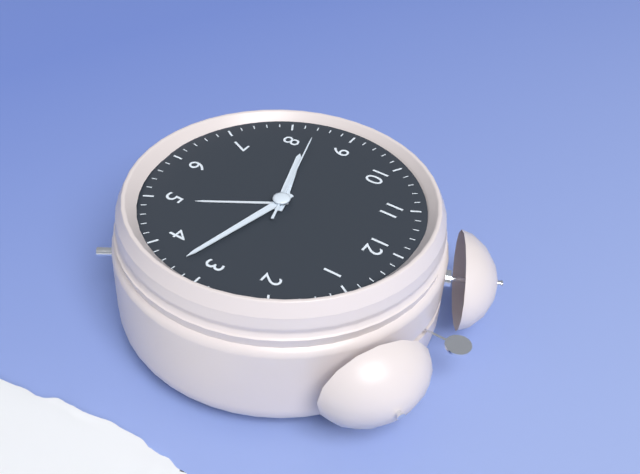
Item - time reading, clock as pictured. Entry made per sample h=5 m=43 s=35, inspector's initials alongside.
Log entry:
h=8 m=17 s=42
